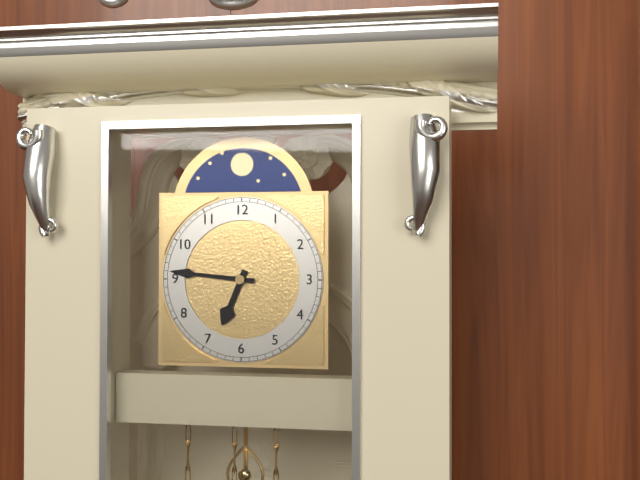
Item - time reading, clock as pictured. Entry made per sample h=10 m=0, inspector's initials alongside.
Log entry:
h=6 m=46
